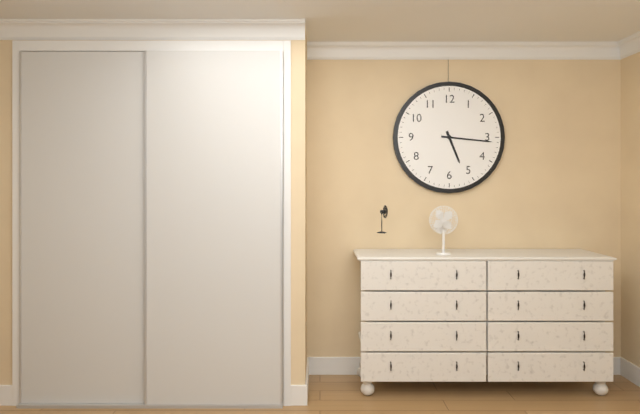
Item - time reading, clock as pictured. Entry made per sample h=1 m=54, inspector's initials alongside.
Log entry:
h=5 m=16
